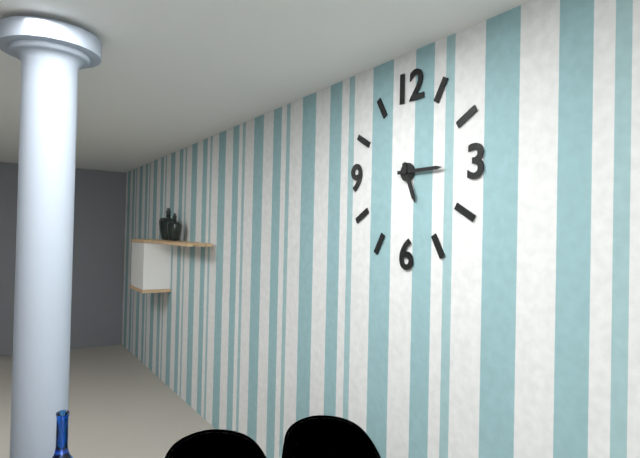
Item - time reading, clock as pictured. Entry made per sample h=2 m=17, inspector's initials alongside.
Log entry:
h=5 m=15
